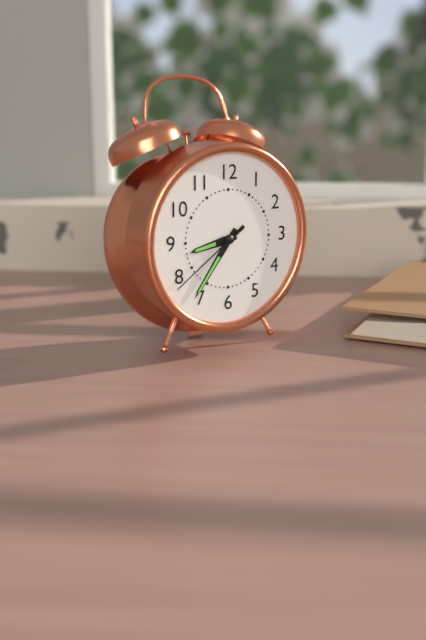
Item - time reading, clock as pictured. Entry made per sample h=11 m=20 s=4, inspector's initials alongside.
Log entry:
h=8 m=36 s=39
